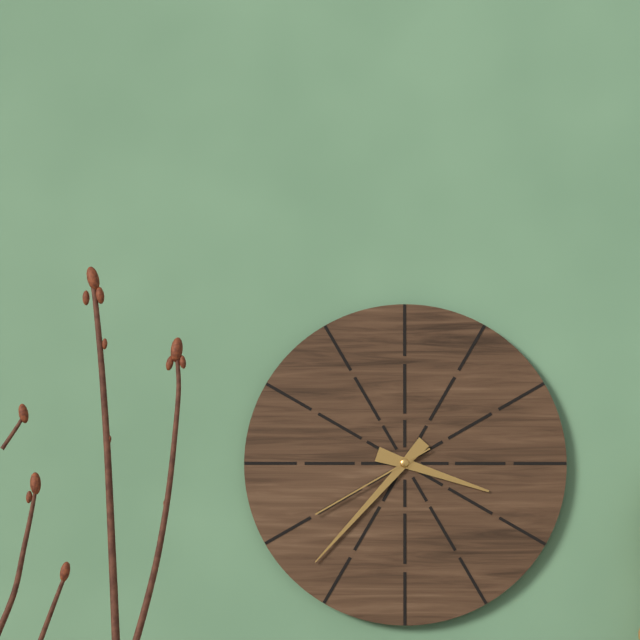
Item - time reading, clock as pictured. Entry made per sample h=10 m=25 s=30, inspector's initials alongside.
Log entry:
h=3 m=37 s=40
